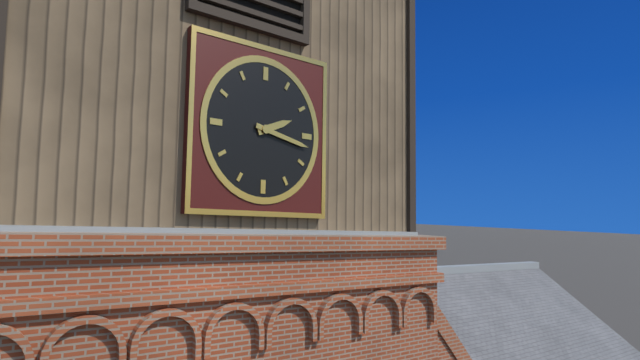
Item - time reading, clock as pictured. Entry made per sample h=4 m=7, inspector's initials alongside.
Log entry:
h=2 m=17
